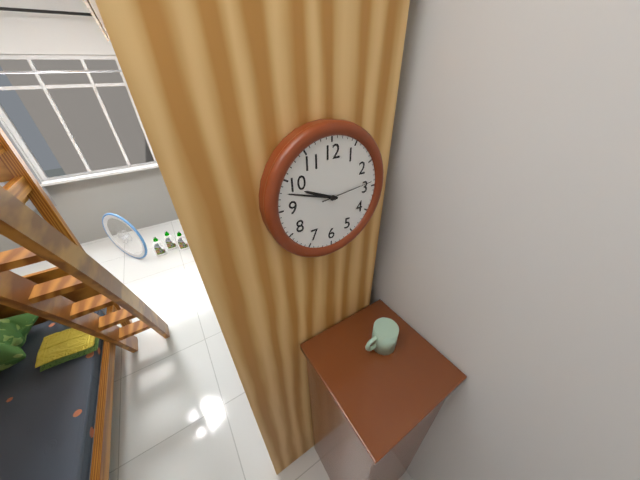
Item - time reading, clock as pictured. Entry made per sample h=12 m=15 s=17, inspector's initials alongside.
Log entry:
h=9 m=48 s=14
